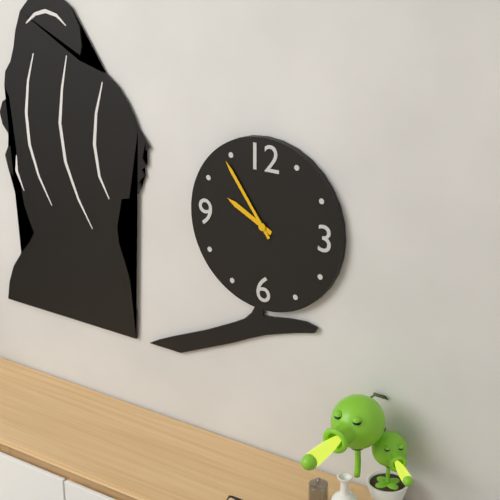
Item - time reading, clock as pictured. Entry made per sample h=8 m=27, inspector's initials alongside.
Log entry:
h=9 m=54
